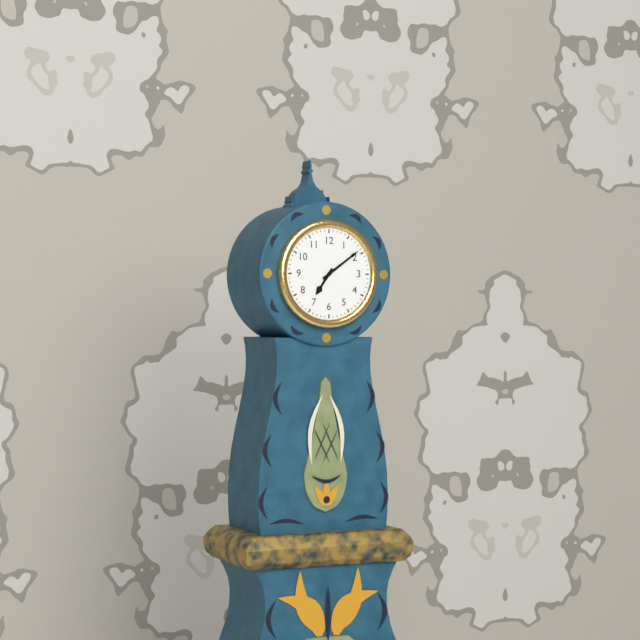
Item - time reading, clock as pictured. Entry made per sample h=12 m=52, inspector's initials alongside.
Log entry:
h=7 m=9
